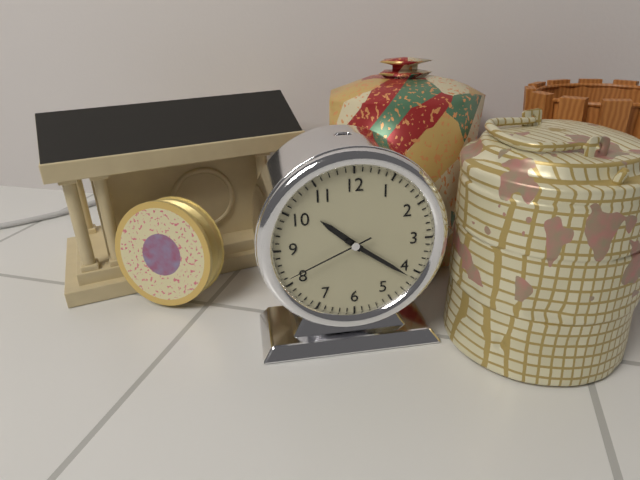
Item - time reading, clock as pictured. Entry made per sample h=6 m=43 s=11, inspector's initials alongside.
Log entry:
h=10 m=21 s=41
